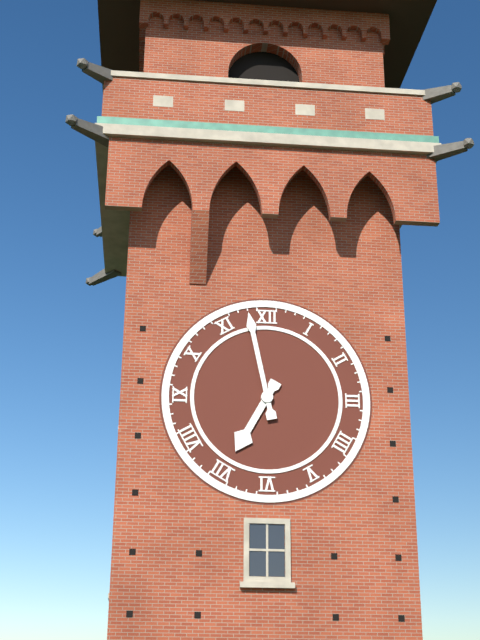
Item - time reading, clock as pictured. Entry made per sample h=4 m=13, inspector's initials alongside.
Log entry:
h=6 m=58
